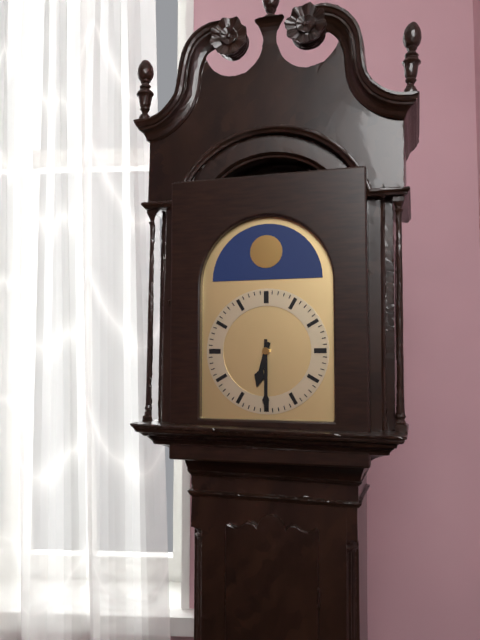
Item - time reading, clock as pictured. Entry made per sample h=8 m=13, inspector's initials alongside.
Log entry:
h=6 m=30
